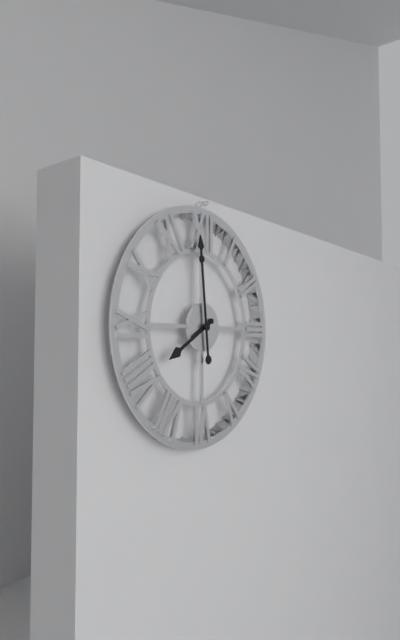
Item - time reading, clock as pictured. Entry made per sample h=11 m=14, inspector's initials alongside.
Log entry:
h=7 m=59
